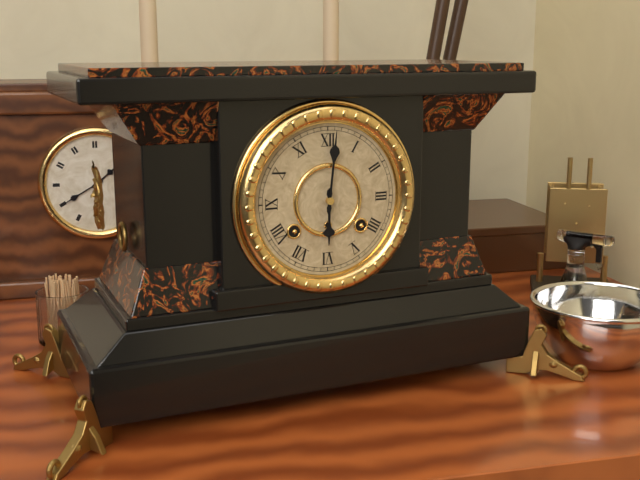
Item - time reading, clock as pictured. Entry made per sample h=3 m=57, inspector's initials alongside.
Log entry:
h=6 m=1
